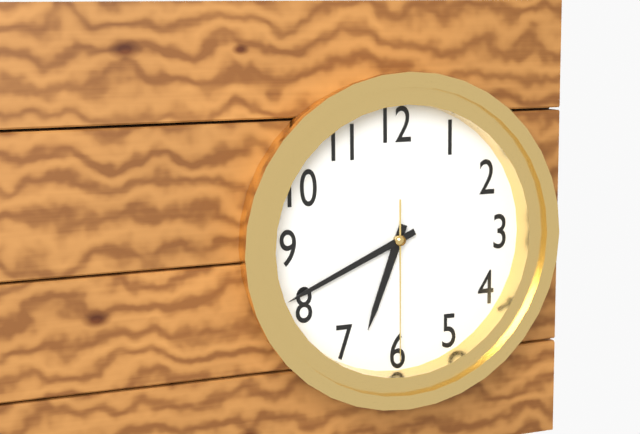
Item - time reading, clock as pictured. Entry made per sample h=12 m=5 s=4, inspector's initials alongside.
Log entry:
h=6 m=41 s=30
